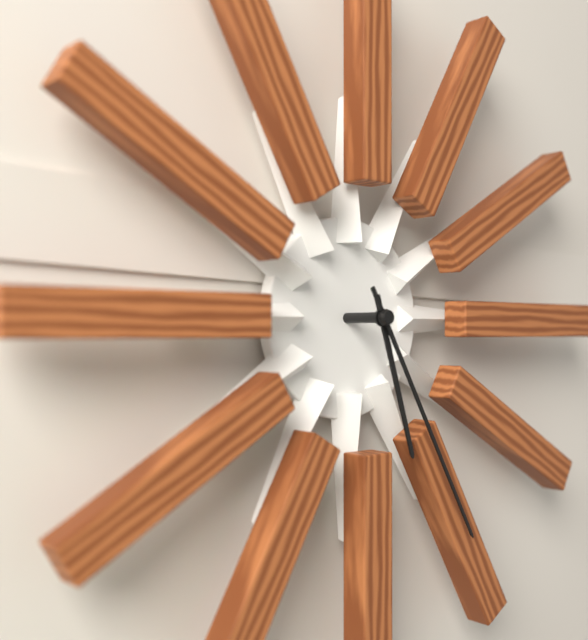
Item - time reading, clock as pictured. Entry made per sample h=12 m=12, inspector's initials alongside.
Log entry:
h=5 m=25
